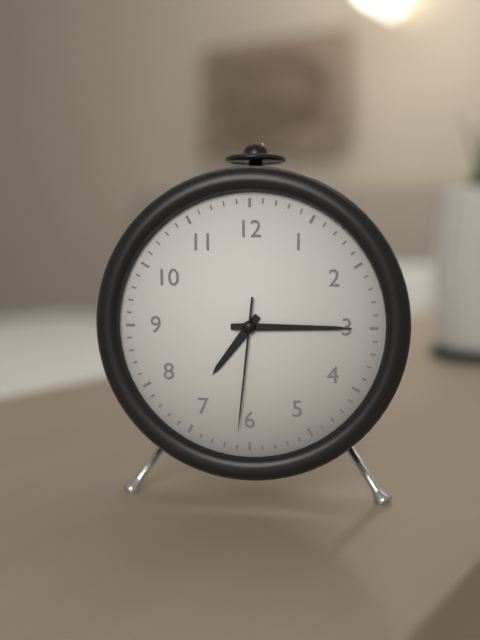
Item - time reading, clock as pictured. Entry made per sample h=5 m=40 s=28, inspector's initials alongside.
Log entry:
h=7 m=15 s=31
